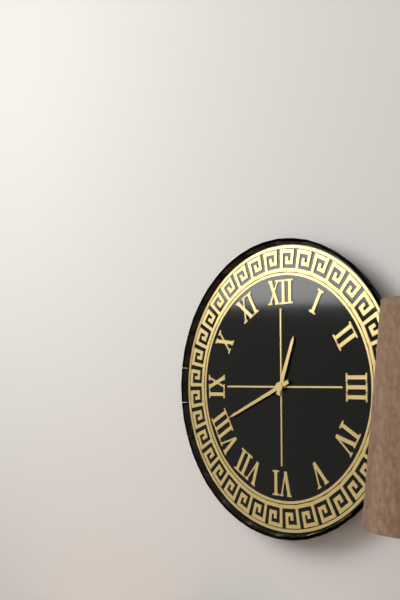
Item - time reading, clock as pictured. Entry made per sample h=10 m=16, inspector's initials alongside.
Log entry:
h=12 m=41
